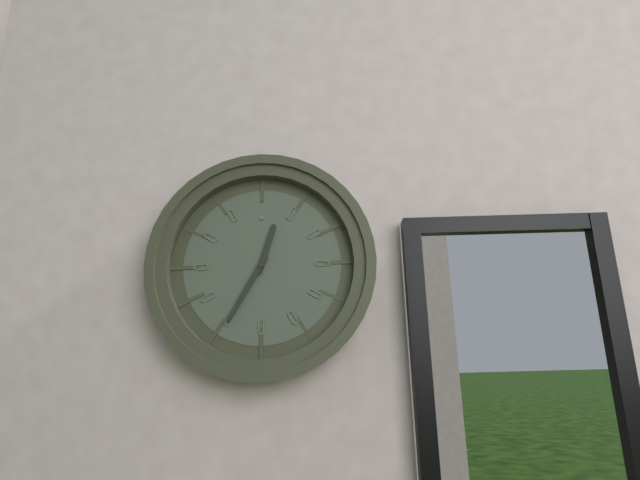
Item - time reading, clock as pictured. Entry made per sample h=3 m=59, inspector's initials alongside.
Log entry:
h=12 m=35
